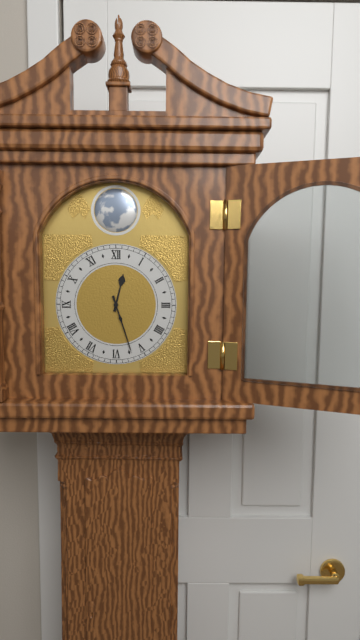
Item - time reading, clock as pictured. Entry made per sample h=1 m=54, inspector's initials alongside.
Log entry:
h=12 m=27
